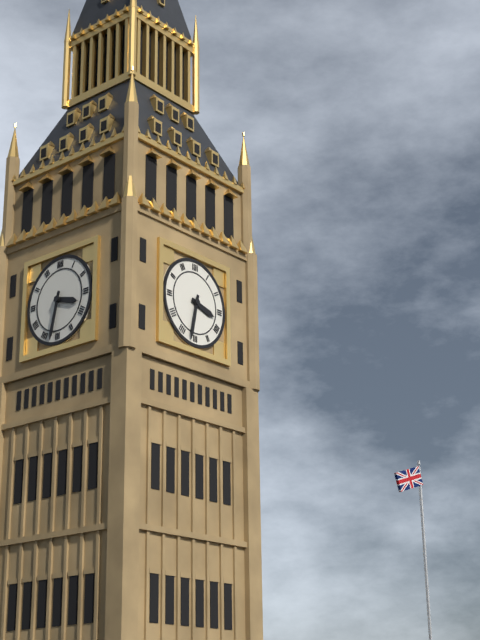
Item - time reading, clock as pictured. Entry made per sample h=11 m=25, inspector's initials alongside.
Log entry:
h=3 m=32
